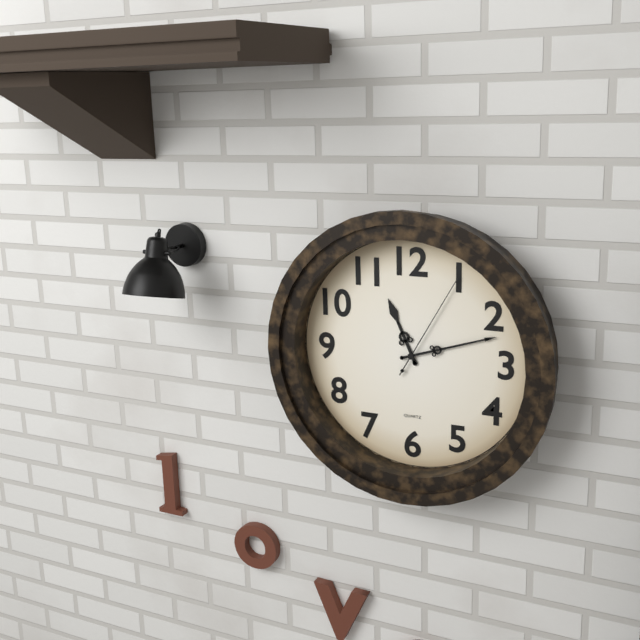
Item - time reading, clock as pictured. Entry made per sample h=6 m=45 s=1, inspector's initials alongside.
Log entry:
h=11 m=12 s=5
